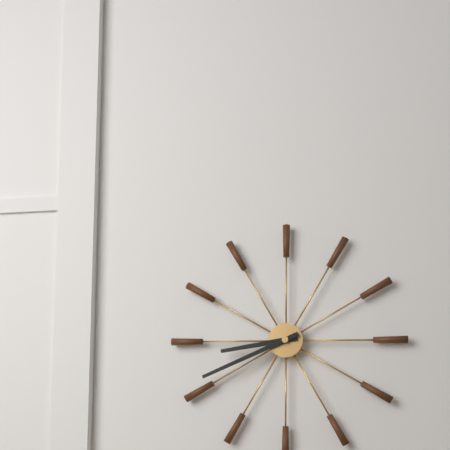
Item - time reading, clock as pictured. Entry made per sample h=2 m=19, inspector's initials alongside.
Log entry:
h=8 m=41
